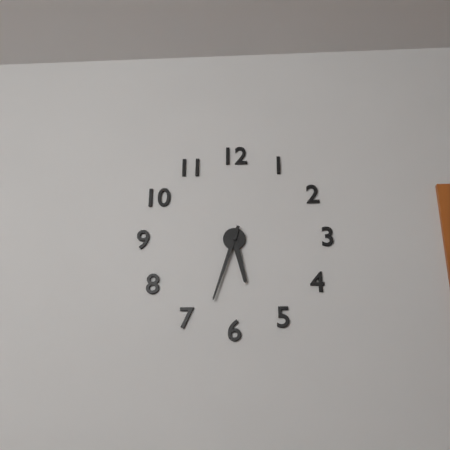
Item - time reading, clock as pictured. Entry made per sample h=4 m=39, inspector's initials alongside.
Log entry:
h=5 m=33
